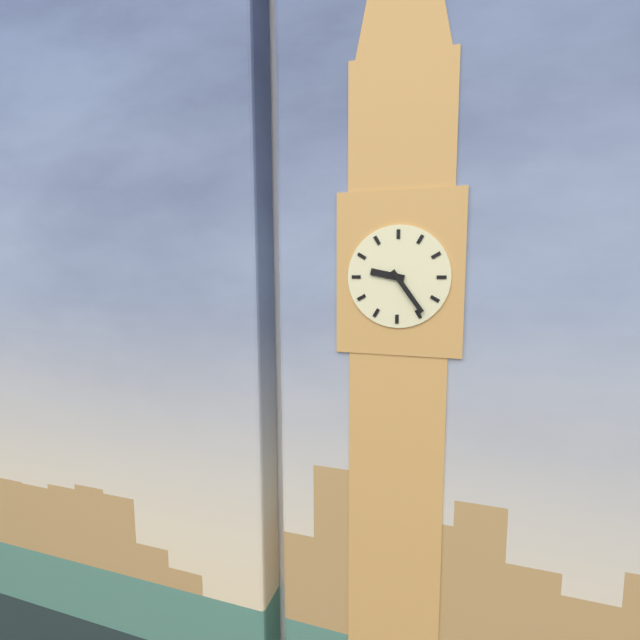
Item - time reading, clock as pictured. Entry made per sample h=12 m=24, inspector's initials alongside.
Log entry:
h=9 m=24
